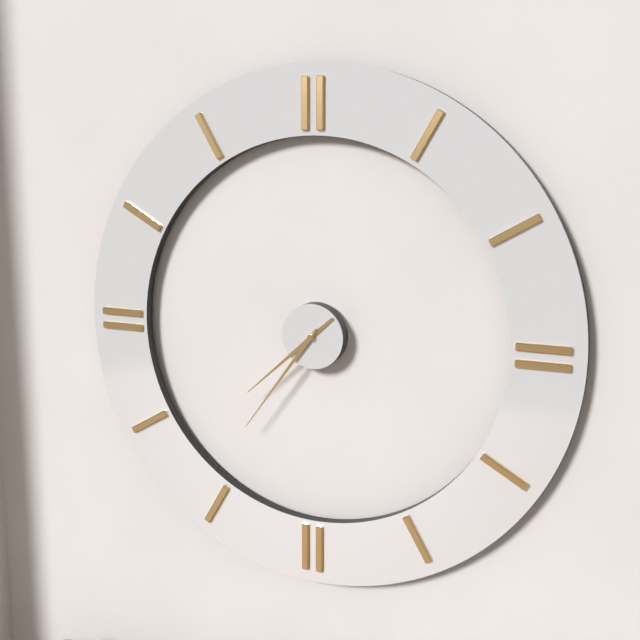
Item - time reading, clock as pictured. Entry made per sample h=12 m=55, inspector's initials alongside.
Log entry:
h=7 m=36
